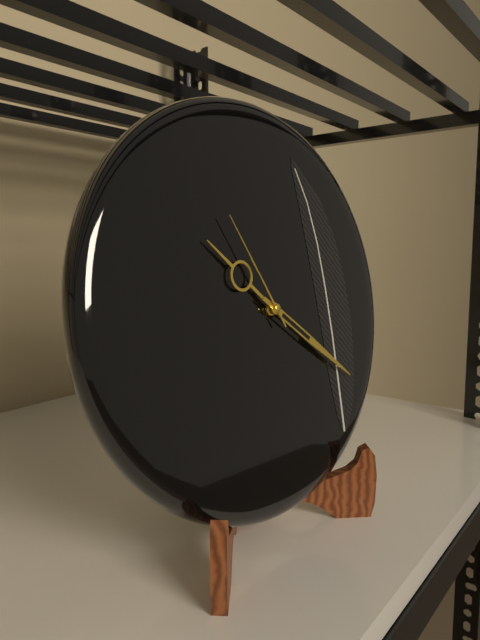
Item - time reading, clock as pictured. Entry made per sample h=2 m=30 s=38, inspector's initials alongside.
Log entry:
h=10 m=21 s=55
